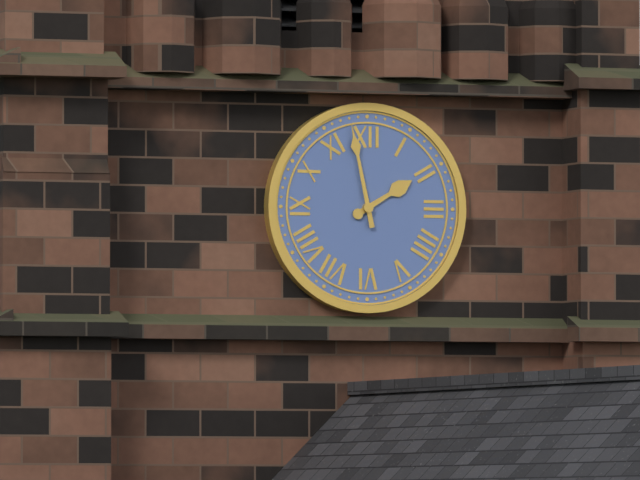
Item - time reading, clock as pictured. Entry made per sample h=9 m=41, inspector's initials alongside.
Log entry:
h=1 m=58
